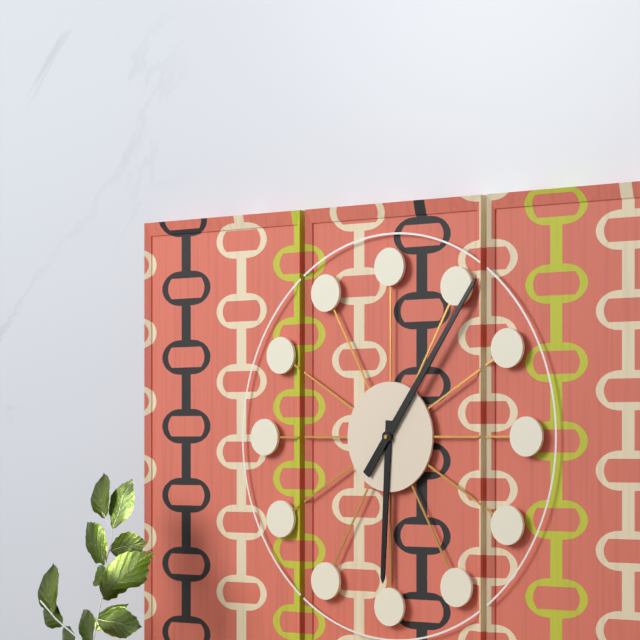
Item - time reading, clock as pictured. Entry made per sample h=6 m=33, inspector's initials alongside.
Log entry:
h=6 m=6
